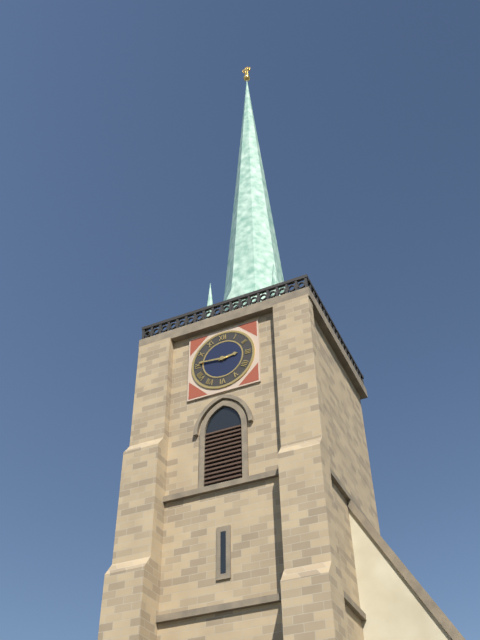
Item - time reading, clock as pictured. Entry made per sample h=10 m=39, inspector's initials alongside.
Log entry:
h=2 m=46
